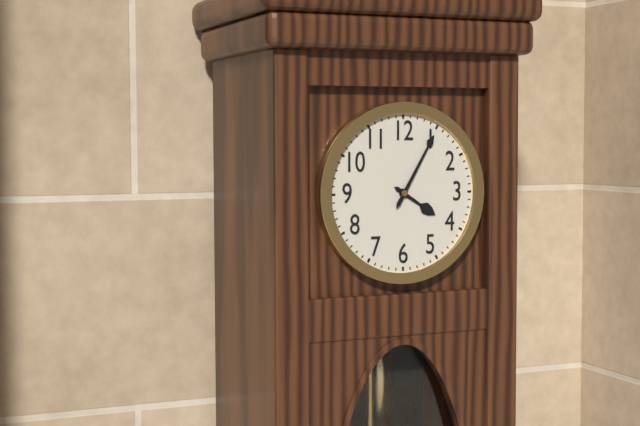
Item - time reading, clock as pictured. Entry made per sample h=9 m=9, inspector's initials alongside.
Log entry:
h=4 m=5
